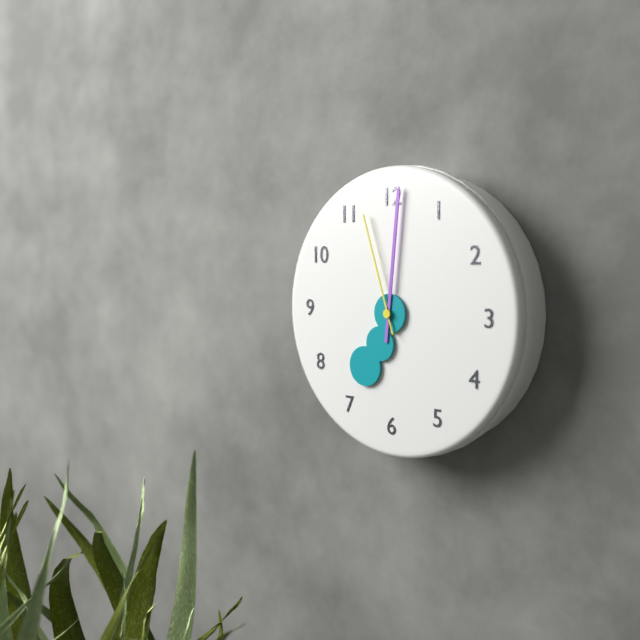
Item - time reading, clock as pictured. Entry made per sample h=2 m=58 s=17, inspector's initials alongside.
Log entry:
h=7 m=1 s=57
